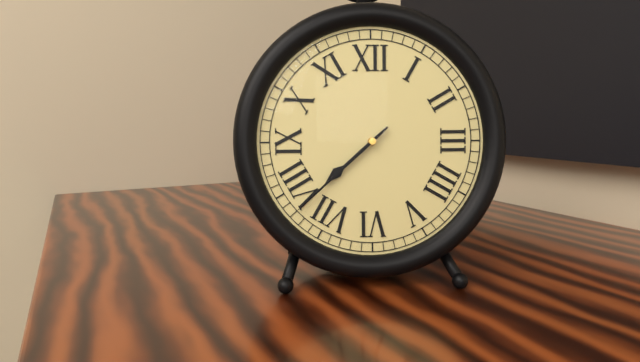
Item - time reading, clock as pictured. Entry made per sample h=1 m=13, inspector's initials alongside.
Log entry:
h=7 m=38
